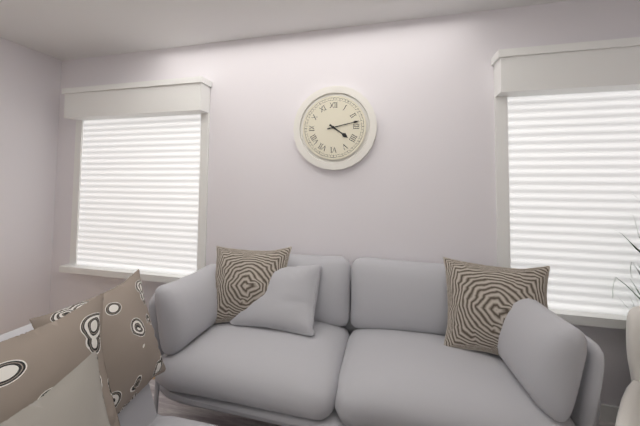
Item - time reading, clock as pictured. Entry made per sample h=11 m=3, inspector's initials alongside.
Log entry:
h=4 m=13
